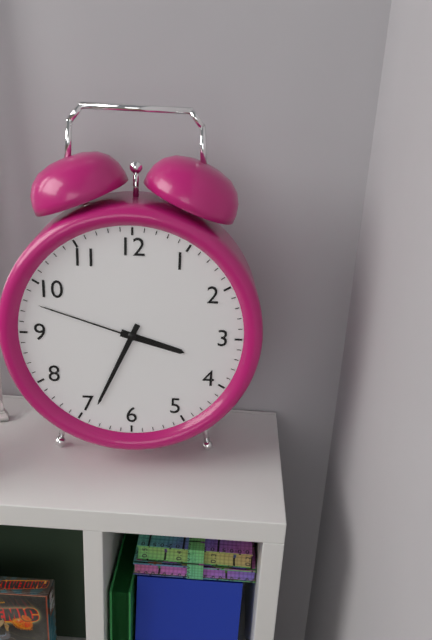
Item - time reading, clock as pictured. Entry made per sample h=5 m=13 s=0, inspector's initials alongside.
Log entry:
h=3 m=34 s=48
